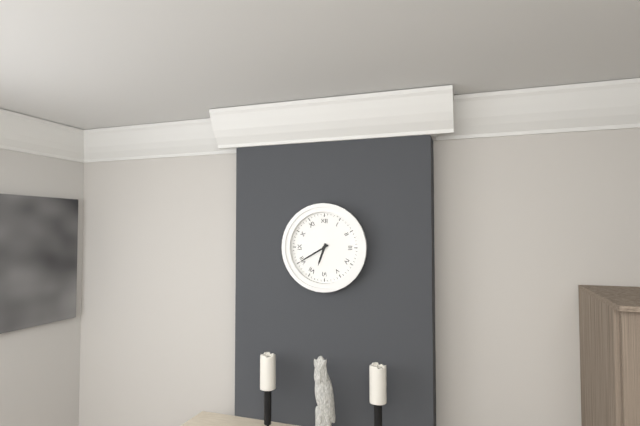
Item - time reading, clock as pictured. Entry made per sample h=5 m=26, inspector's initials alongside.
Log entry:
h=6 m=40
